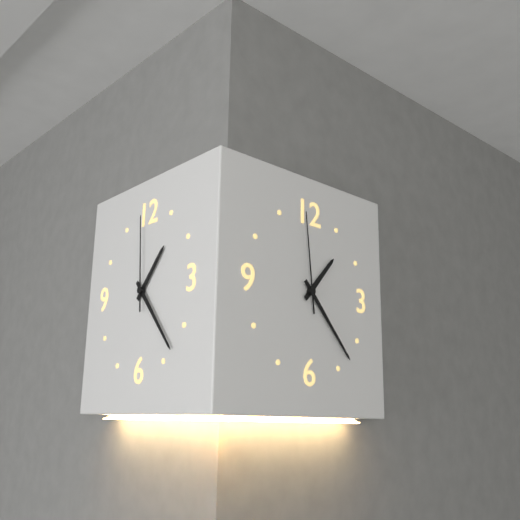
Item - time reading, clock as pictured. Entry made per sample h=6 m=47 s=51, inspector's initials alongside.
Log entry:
h=1 m=23 s=59
